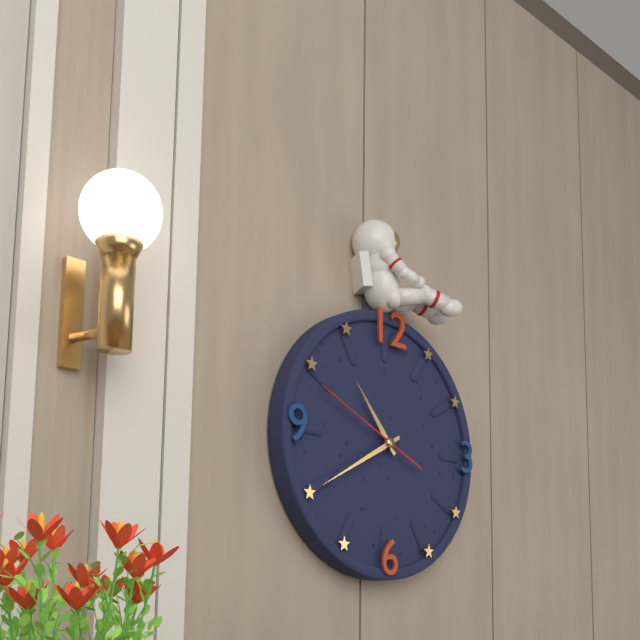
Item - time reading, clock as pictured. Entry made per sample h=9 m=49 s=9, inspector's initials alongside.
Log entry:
h=10 m=40 s=49
